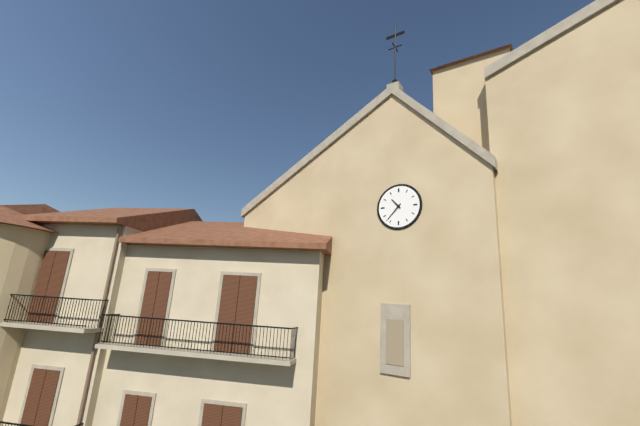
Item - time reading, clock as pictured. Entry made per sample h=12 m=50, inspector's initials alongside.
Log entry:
h=10 m=37
